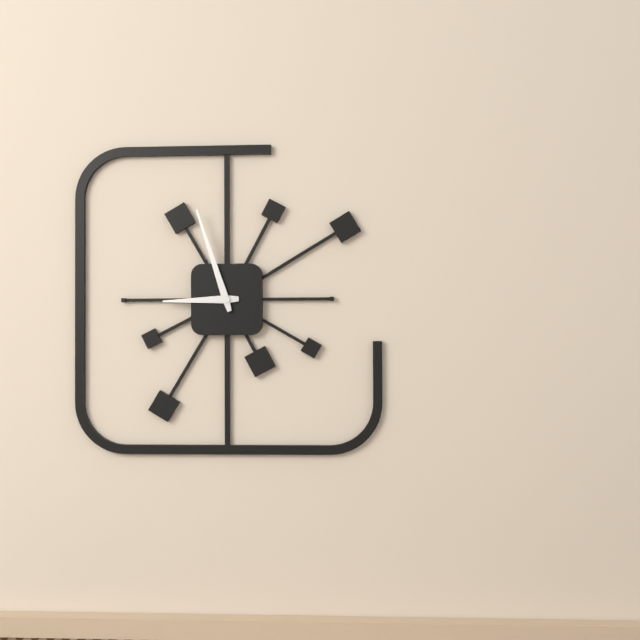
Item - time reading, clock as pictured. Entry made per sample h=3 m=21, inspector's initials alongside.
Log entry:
h=8 m=57
